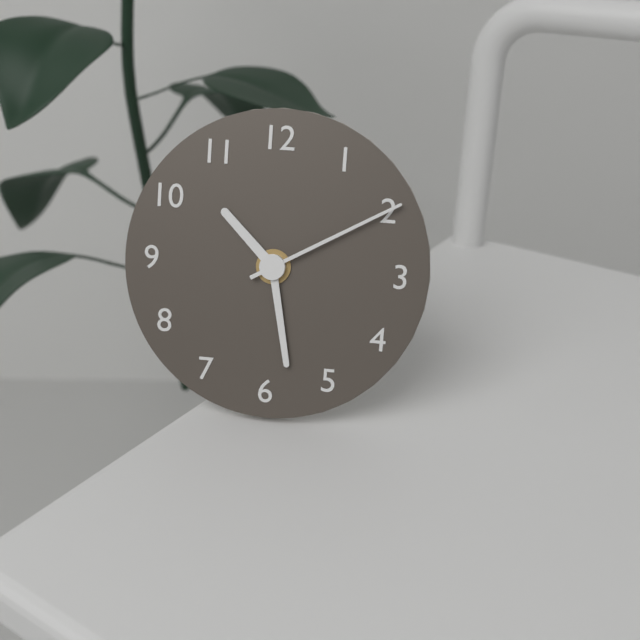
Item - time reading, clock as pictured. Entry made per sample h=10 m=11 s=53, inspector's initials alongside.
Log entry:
h=10 m=28 s=10
